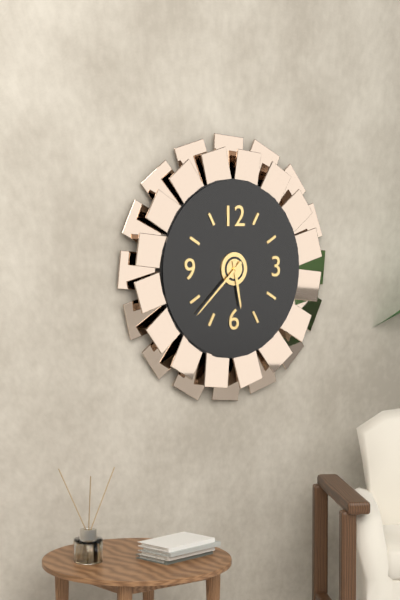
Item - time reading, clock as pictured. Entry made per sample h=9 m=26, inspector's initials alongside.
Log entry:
h=5 m=38
